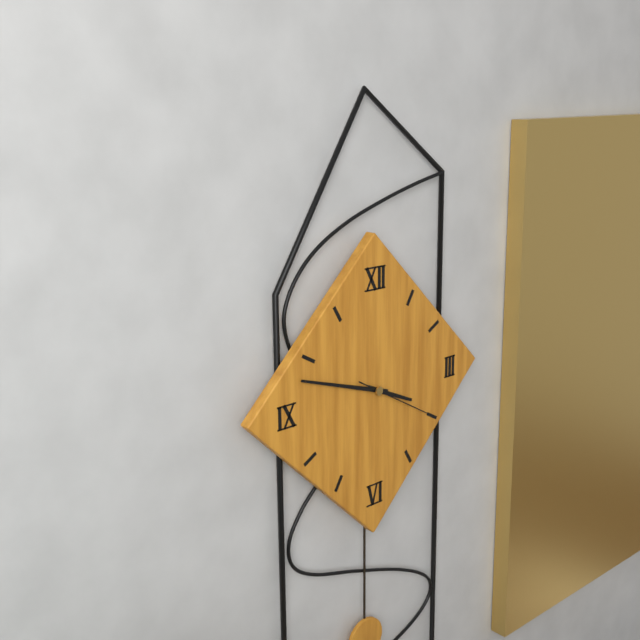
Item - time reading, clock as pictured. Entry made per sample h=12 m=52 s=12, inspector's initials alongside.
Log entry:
h=3 m=48 s=20
